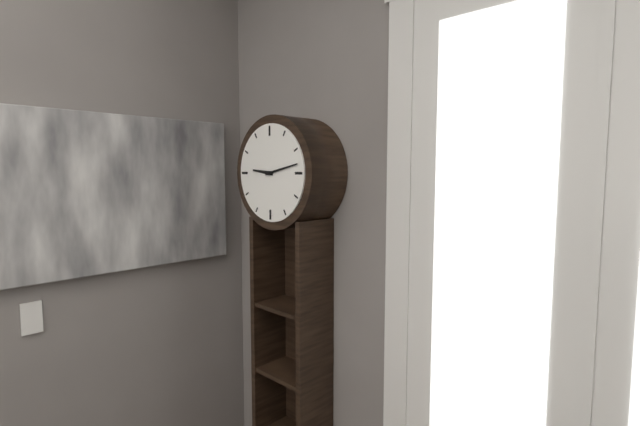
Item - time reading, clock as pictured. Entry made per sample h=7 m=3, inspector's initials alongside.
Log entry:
h=9 m=13
